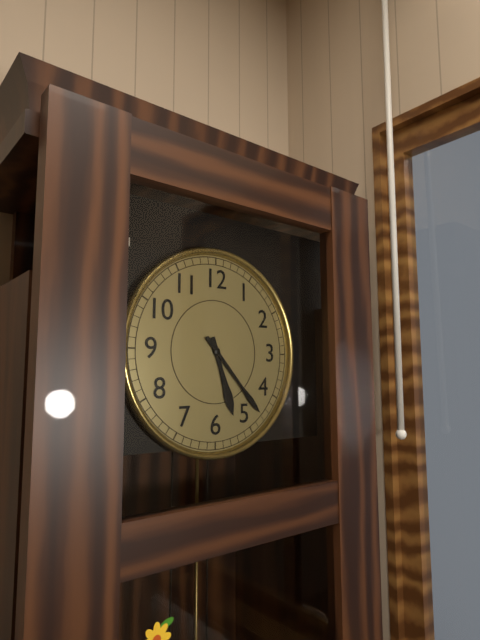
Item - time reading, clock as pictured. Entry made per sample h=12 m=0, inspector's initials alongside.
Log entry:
h=5 m=23
